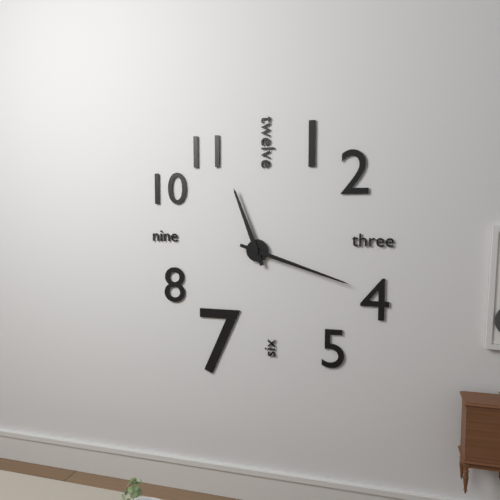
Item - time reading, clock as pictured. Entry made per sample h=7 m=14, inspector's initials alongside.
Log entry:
h=11 m=18
